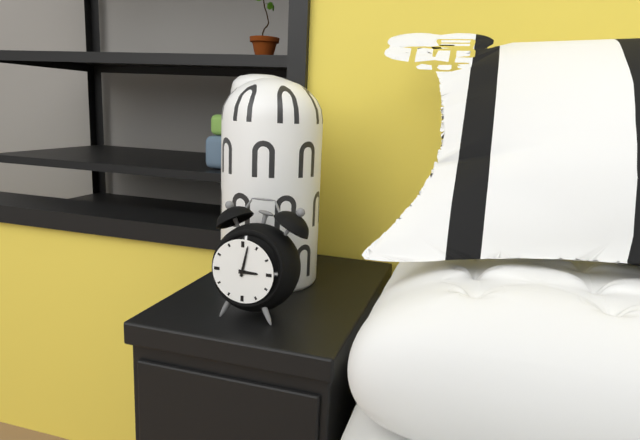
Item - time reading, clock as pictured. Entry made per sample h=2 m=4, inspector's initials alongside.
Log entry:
h=3 m=2
